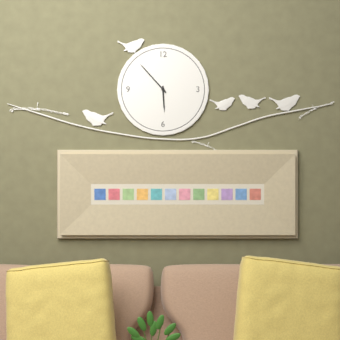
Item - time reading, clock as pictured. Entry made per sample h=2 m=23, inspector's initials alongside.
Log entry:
h=5 m=53
